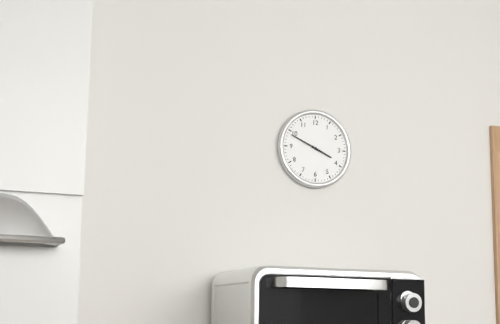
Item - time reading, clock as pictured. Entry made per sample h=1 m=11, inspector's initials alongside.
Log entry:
h=3 m=49
